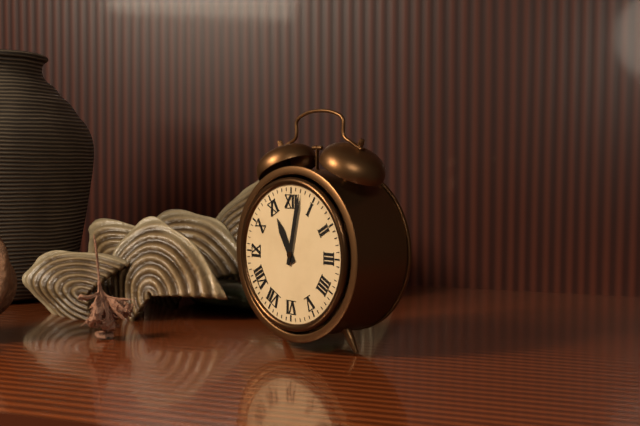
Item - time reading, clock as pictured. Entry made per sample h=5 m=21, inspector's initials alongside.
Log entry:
h=11 m=2
